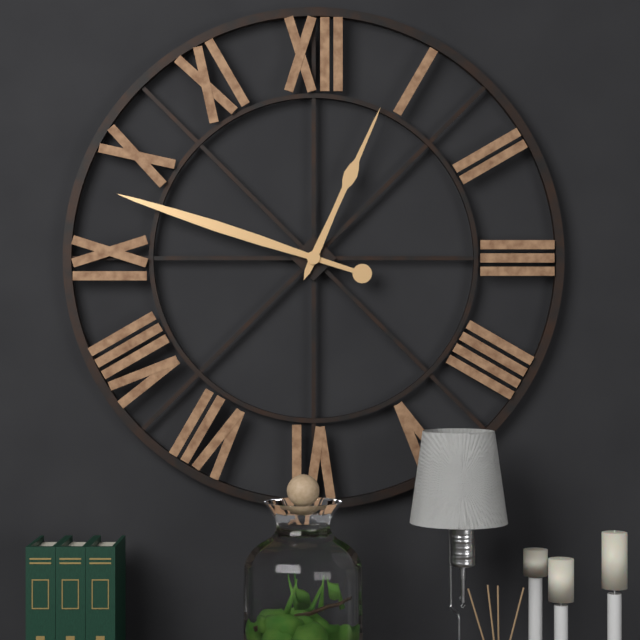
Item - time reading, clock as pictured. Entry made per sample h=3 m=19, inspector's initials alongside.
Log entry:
h=12 m=48
